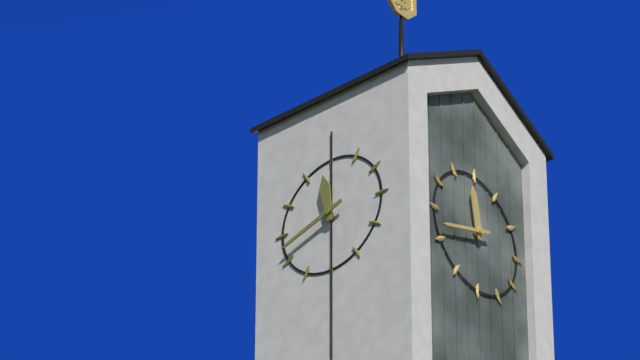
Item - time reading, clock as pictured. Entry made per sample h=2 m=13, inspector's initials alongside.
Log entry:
h=11 m=42
